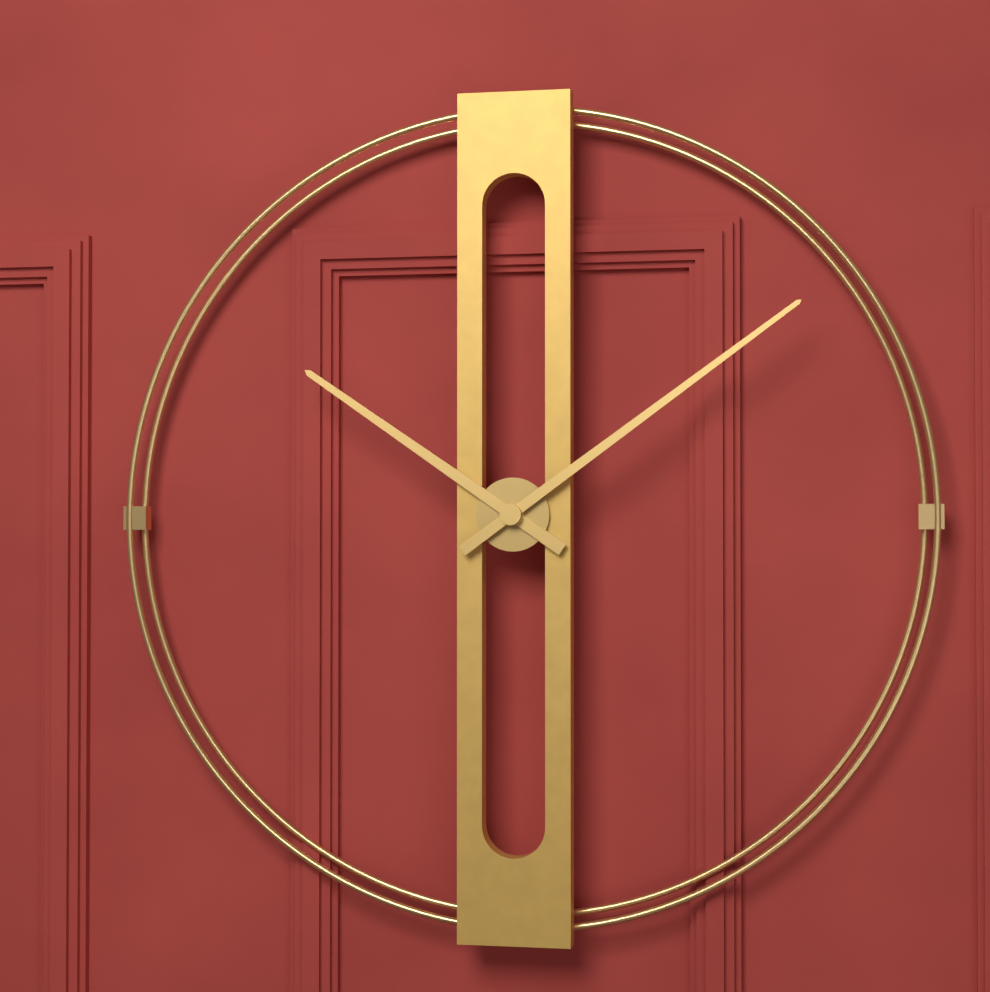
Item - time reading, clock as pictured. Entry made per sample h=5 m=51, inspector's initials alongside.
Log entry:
h=10 m=9
